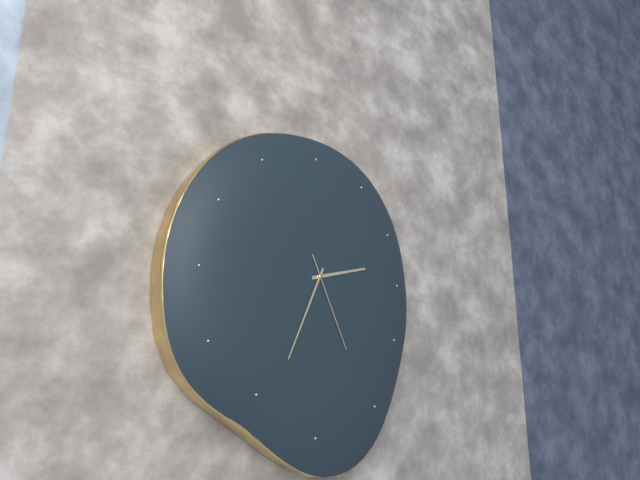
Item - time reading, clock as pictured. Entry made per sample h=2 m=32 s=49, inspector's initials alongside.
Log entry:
h=2 m=34 s=26
